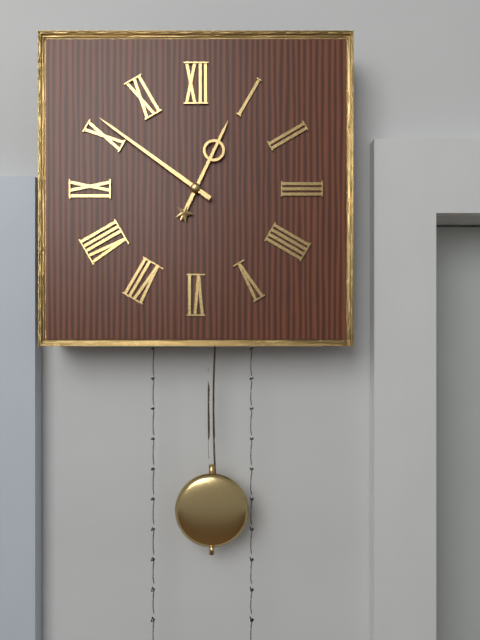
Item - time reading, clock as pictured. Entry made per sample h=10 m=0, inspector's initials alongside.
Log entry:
h=12 m=51
